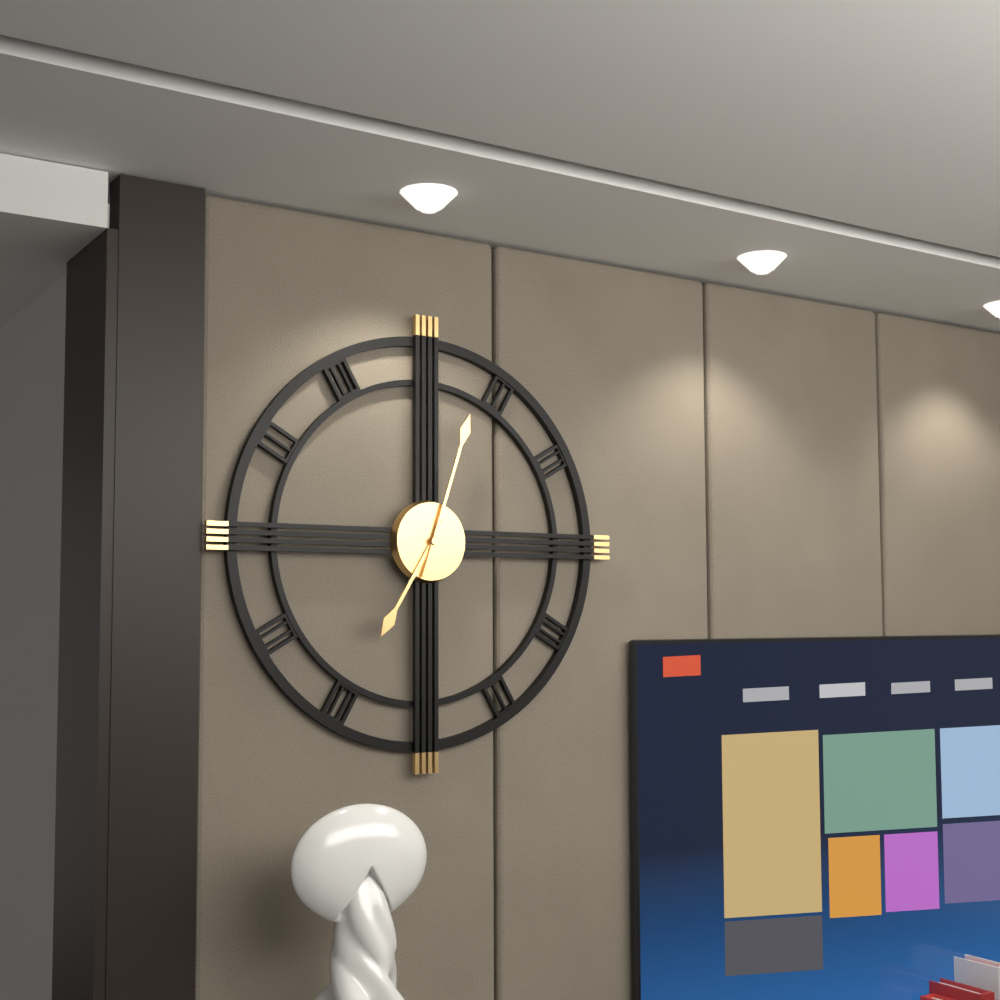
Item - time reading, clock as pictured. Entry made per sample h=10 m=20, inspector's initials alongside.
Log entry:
h=7 m=3
